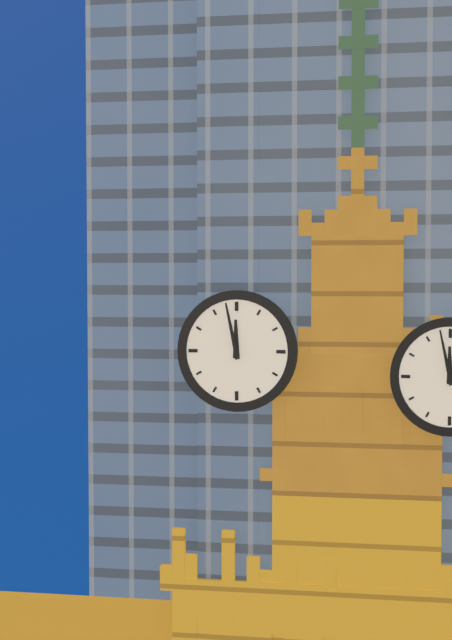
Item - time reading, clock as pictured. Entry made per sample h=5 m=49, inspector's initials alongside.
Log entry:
h=11 m=58
